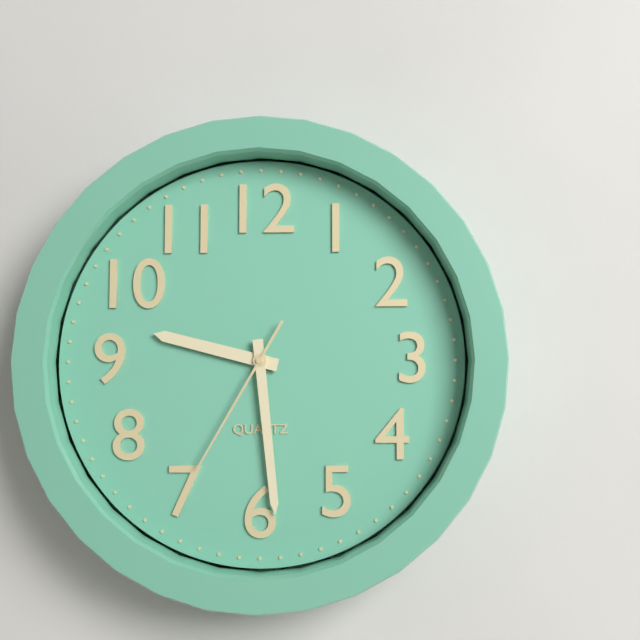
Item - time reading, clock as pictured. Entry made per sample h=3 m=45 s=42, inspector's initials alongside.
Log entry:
h=9 m=29 s=35
